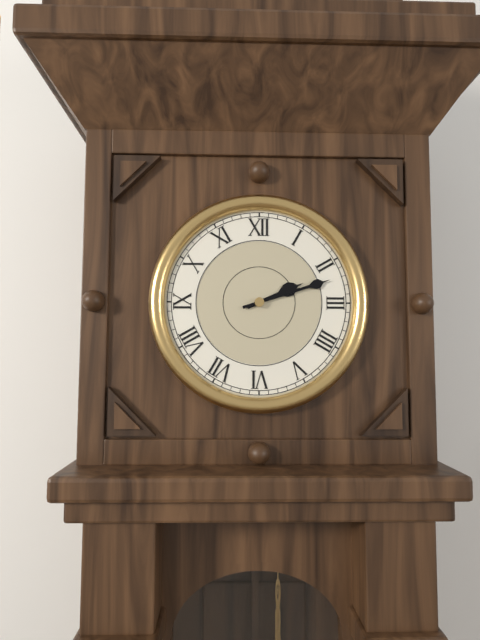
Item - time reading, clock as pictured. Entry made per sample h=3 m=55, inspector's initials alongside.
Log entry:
h=2 m=12
